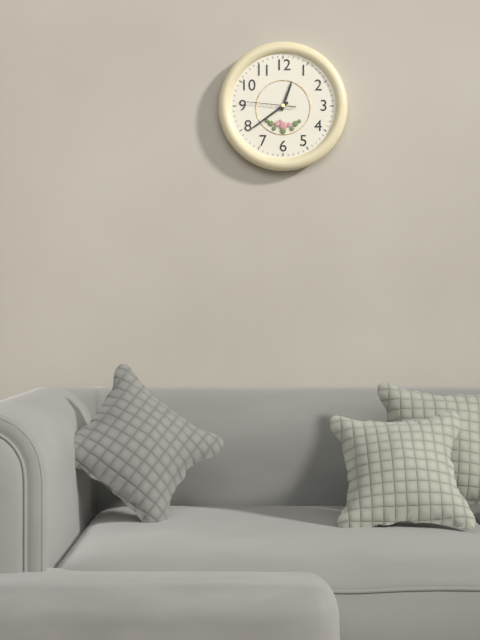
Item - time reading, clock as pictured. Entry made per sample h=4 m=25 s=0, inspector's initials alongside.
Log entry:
h=12 m=39 s=46
